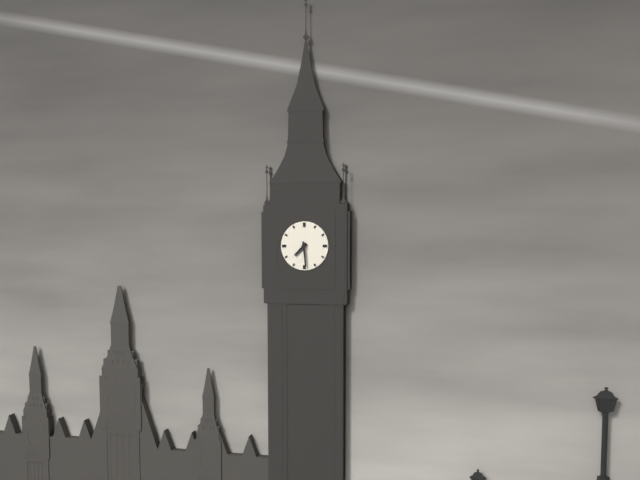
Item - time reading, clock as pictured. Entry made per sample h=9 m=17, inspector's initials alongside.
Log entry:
h=7 m=29
